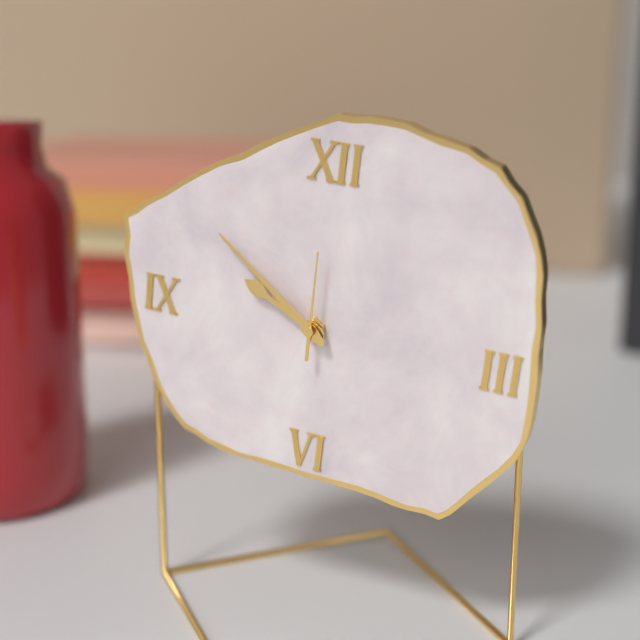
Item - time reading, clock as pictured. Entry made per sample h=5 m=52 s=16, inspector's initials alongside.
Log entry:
h=9 m=51 s=0
